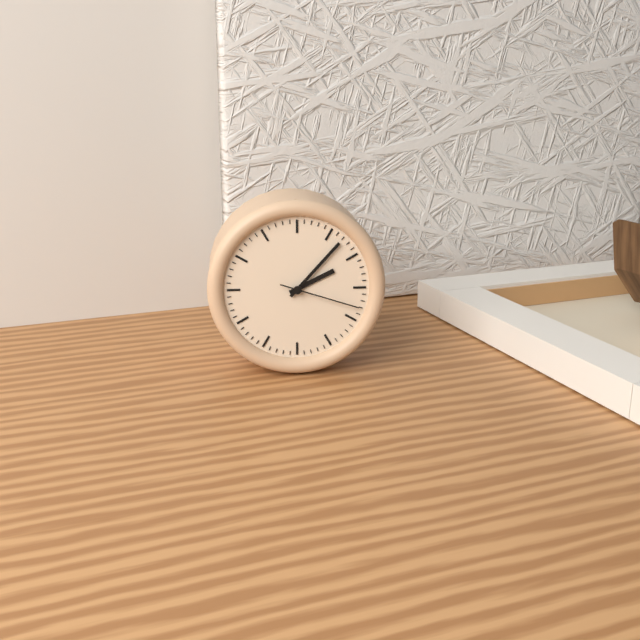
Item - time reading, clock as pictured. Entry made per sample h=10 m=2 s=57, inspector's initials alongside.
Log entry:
h=2 m=7 s=18
